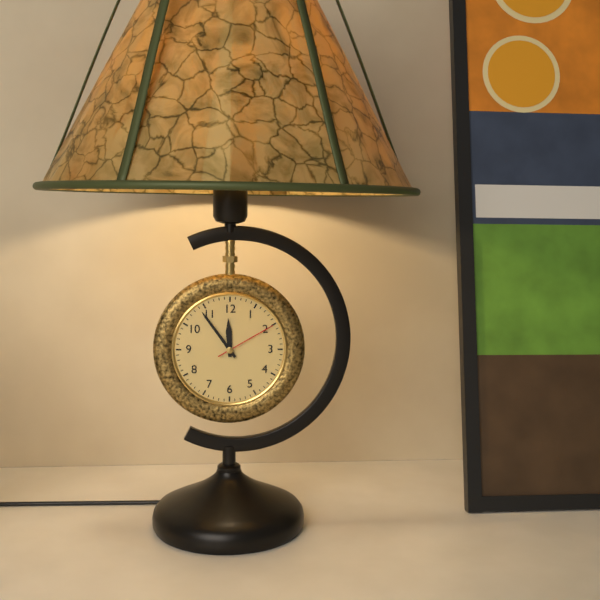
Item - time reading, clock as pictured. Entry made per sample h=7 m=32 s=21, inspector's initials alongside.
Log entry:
h=11 m=54 s=10
